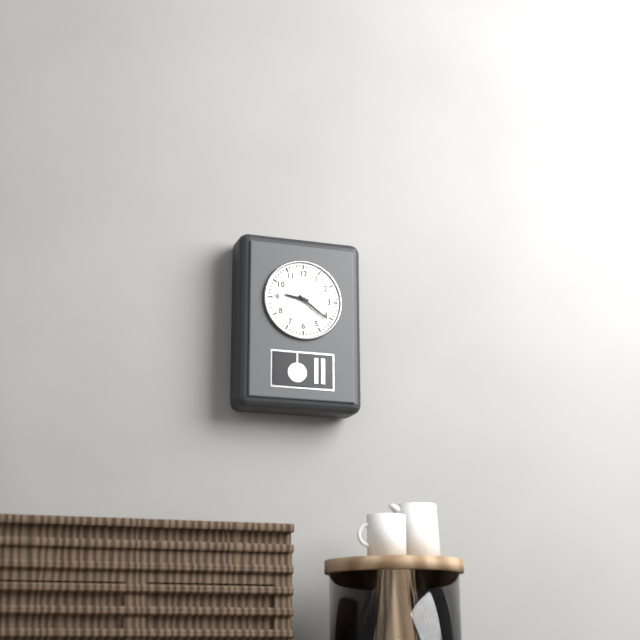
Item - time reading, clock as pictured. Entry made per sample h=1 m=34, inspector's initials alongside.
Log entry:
h=9 m=21
